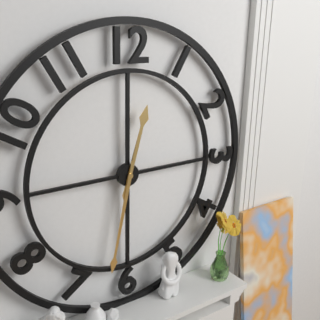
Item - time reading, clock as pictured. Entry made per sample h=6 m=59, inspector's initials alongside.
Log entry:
h=12 m=32
